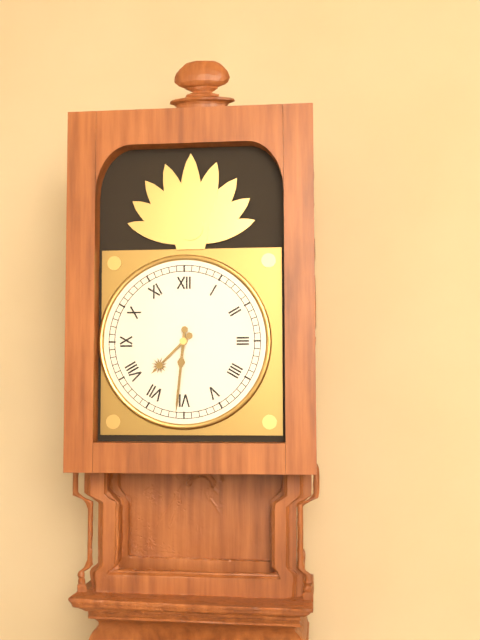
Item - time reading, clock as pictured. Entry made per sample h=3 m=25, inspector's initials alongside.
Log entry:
h=7 m=31
